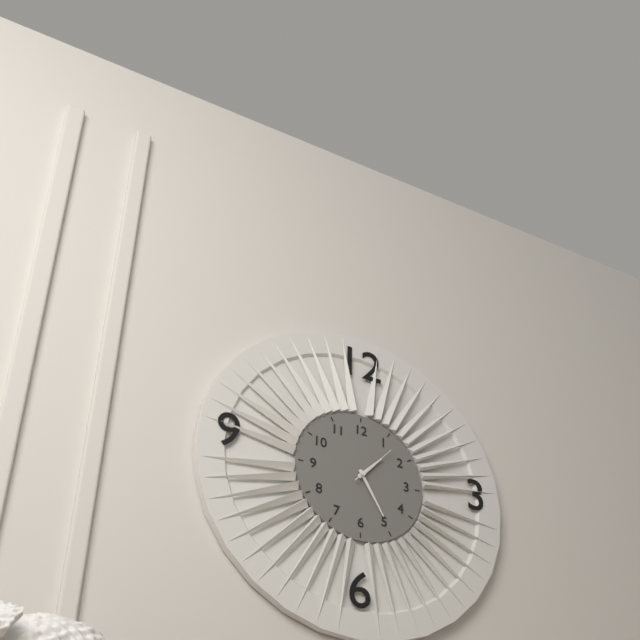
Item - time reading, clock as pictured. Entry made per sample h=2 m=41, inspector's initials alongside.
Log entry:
h=1 m=25
